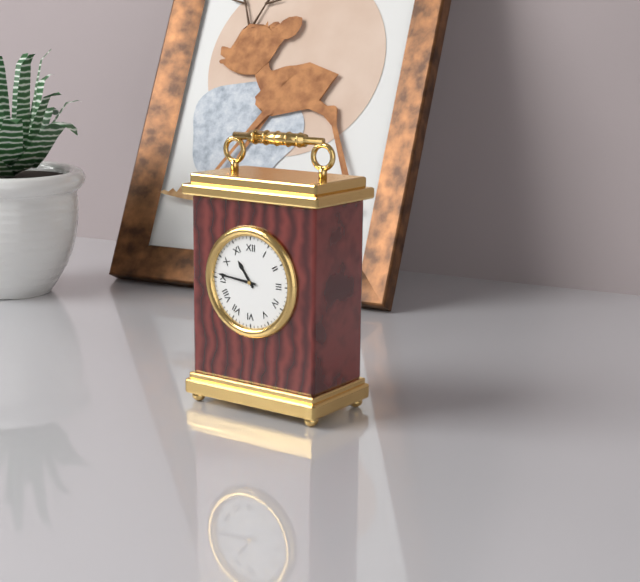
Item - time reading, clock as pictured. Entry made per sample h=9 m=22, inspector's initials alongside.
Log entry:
h=10 m=46
